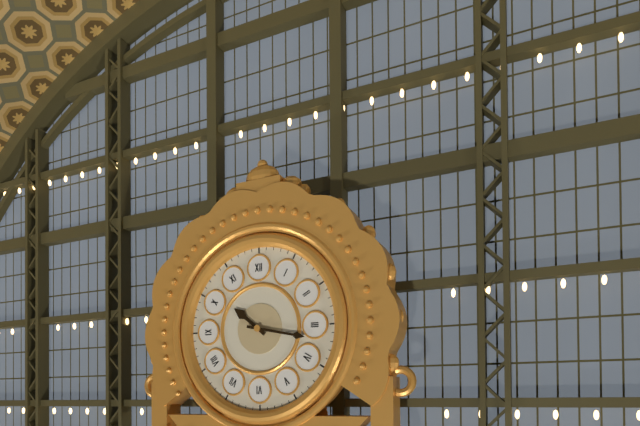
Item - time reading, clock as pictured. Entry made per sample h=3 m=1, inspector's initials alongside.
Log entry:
h=10 m=17
